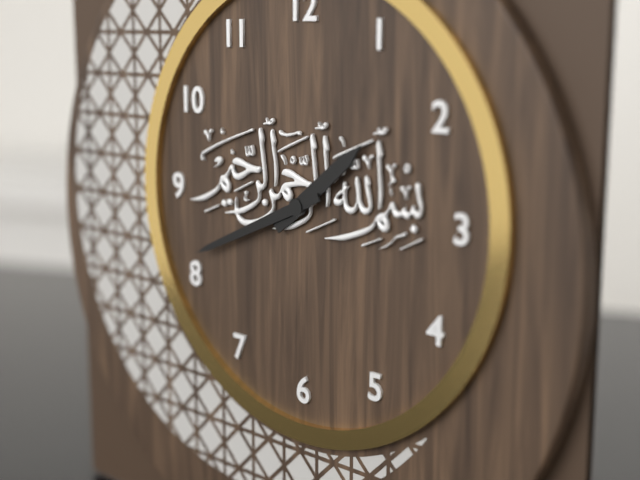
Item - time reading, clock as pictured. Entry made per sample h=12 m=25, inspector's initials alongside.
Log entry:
h=1 m=41
